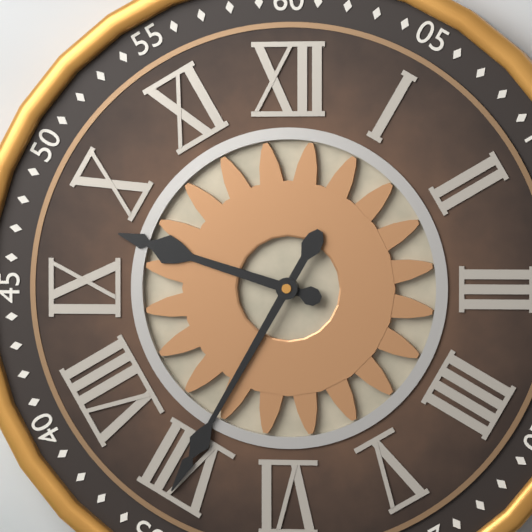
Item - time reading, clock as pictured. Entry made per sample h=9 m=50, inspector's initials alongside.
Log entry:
h=9 m=35
